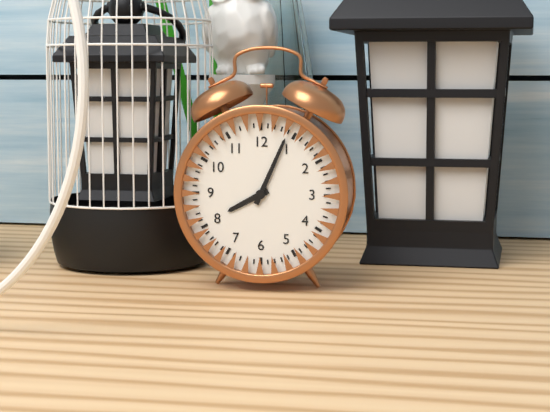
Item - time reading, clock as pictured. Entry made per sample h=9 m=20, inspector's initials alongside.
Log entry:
h=8 m=4
